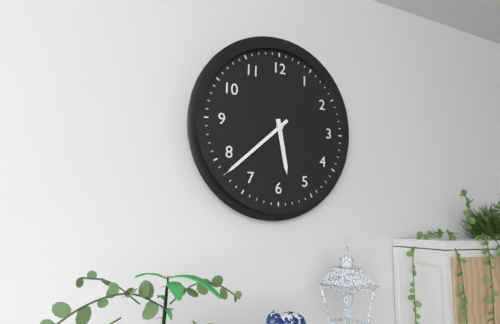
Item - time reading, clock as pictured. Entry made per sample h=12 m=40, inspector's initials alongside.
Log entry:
h=5 m=38
